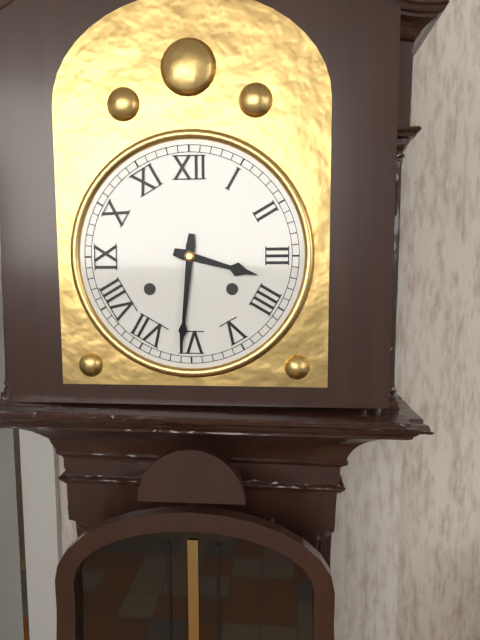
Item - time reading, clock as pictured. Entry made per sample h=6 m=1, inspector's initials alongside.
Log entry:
h=3 m=31
